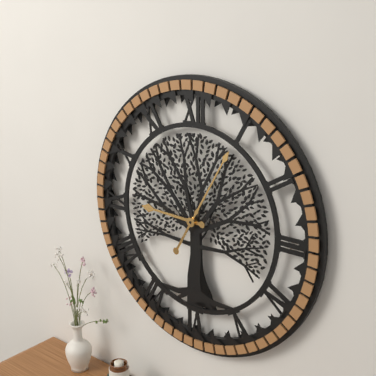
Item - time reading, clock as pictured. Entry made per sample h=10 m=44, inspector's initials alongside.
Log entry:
h=9 m=5
